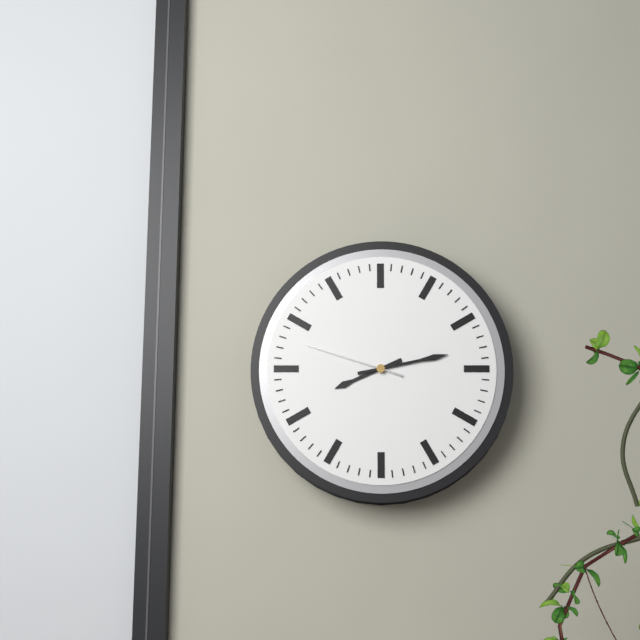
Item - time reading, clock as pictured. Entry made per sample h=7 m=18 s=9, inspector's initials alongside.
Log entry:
h=8 m=13 s=48
